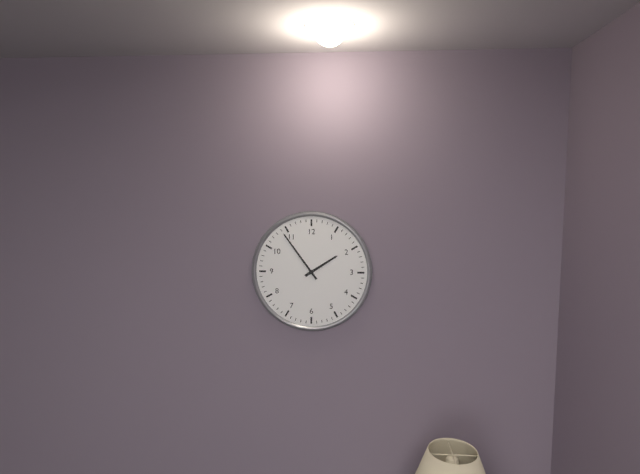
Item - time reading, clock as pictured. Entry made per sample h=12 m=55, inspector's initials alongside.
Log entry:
h=1 m=54
